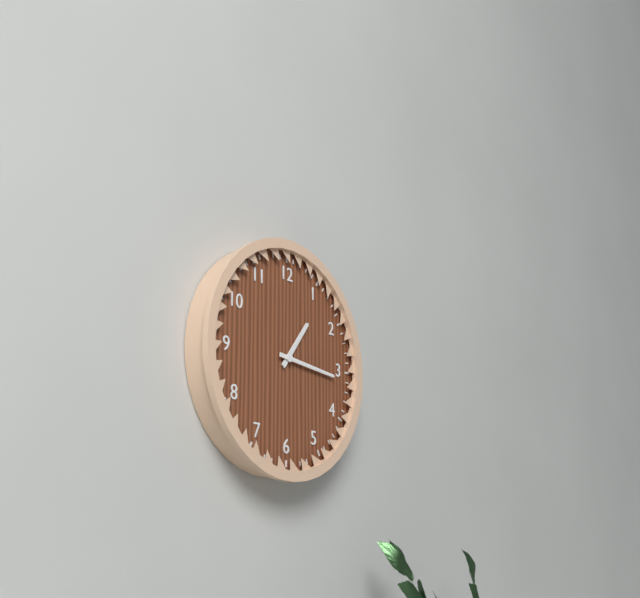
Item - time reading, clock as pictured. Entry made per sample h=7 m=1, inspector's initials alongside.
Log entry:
h=1 m=16
